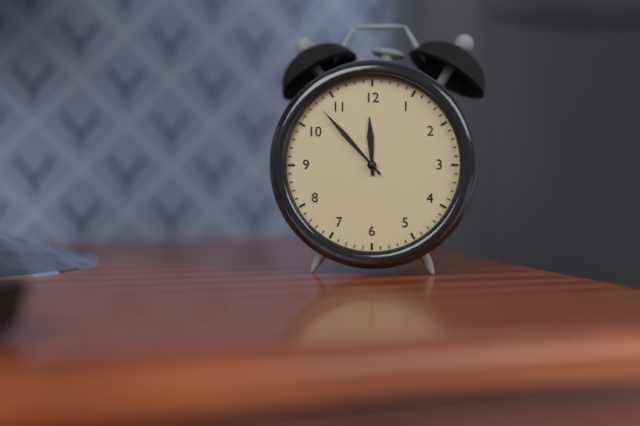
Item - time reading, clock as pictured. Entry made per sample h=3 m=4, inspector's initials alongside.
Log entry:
h=11 m=53
